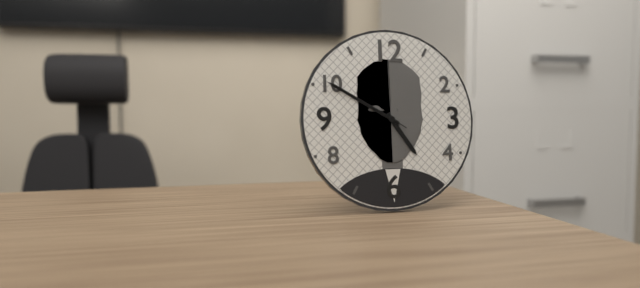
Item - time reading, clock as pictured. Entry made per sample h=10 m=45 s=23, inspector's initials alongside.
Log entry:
h=4 m=50 s=50
